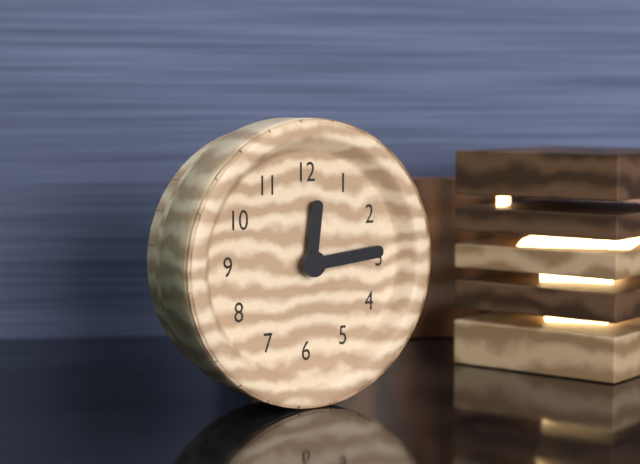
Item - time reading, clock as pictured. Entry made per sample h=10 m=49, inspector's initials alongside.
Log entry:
h=12 m=14
